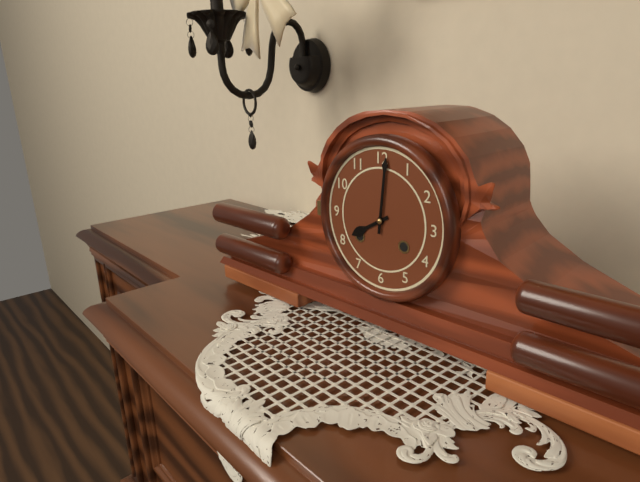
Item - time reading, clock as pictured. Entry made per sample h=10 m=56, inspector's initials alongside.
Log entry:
h=8 m=1
